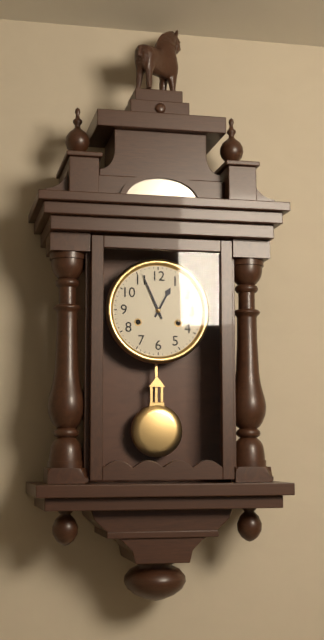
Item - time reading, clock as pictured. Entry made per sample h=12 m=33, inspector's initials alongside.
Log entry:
h=12 m=56
